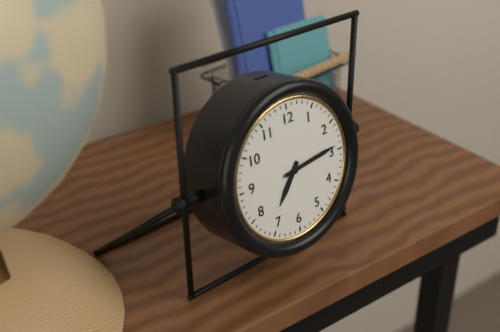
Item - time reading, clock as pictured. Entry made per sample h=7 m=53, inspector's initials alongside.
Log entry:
h=7 m=14
